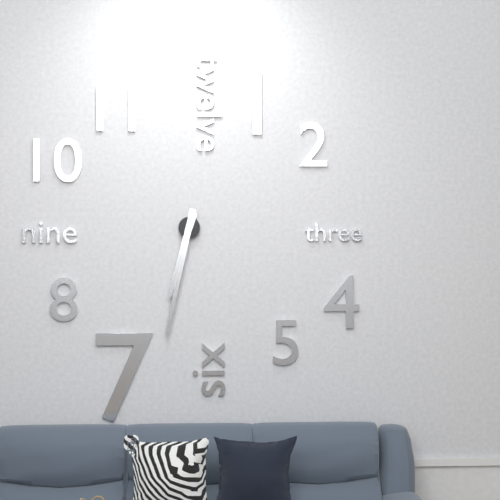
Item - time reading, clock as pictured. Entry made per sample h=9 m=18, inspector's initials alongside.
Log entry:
h=6 m=32
